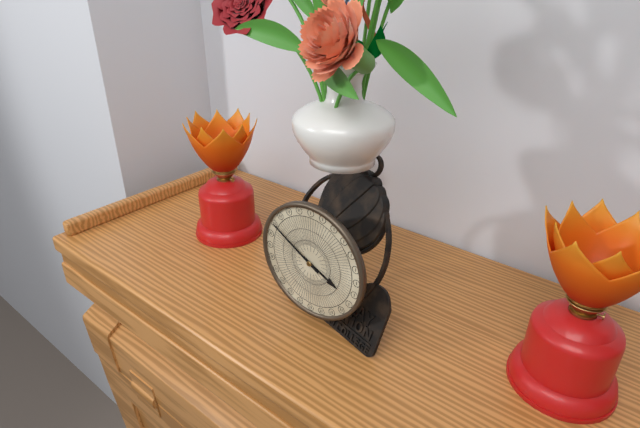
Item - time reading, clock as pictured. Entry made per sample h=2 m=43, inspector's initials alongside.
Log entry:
h=3 m=50
